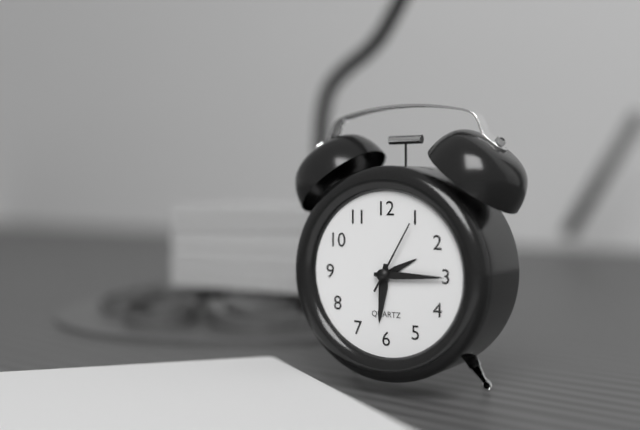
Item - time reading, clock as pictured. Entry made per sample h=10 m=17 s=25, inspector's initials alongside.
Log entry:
h=6 m=15 s=5
